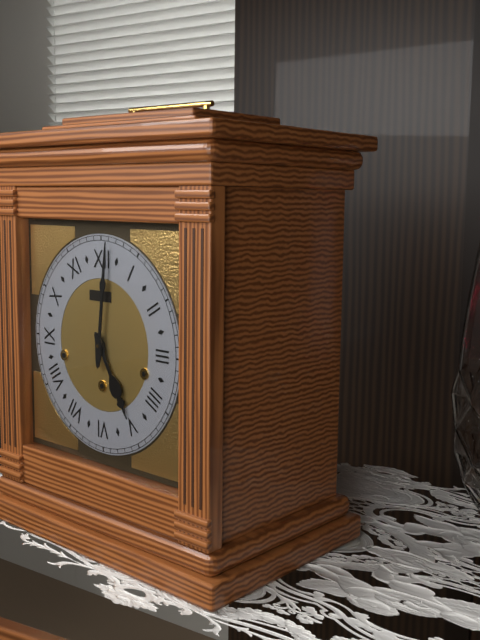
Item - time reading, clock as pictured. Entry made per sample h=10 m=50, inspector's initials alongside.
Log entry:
h=5 m=1
